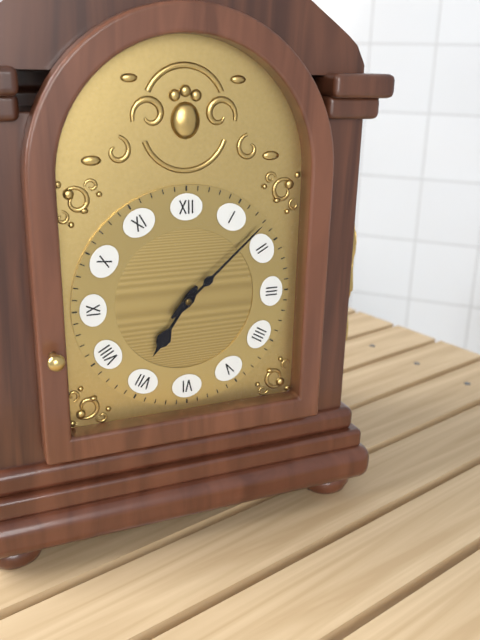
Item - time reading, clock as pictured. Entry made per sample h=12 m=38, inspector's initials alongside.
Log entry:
h=7 m=8
